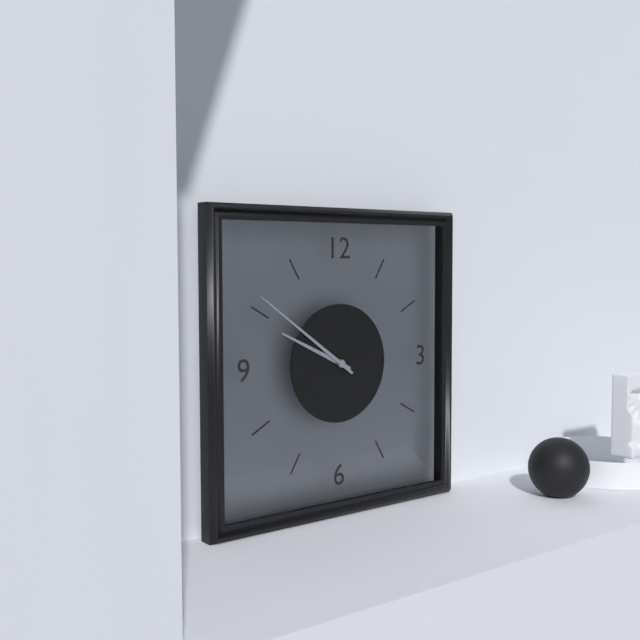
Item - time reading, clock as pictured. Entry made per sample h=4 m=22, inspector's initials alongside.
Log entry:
h=9 m=51
